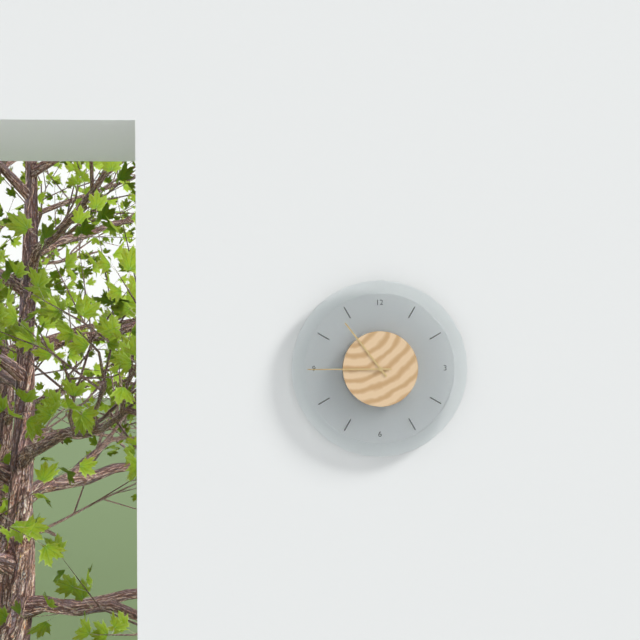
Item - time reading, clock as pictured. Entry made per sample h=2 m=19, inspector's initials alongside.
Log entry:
h=10 m=45
